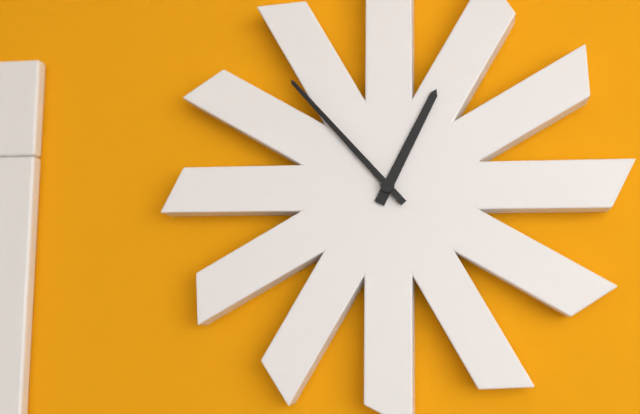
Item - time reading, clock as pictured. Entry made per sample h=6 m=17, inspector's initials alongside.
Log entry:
h=12 m=53
